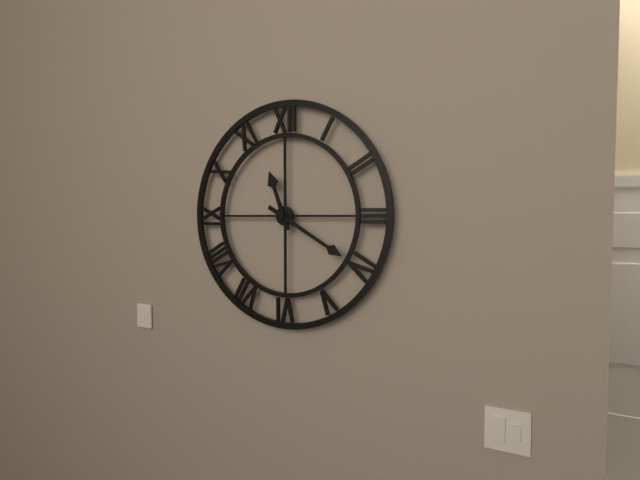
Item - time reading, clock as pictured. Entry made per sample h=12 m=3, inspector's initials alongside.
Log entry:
h=11 m=20
